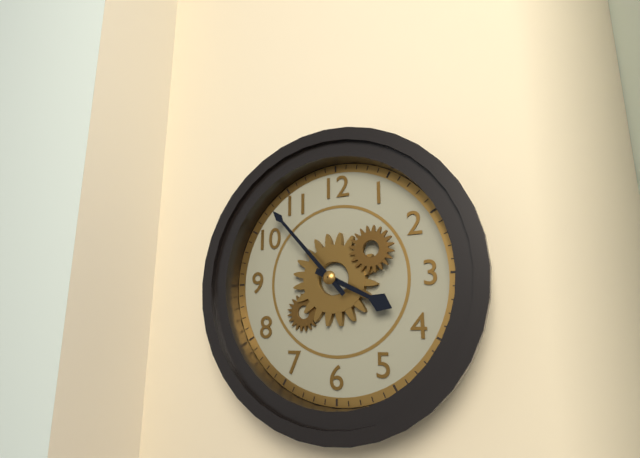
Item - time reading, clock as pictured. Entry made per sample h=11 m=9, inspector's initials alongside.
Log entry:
h=3 m=53
